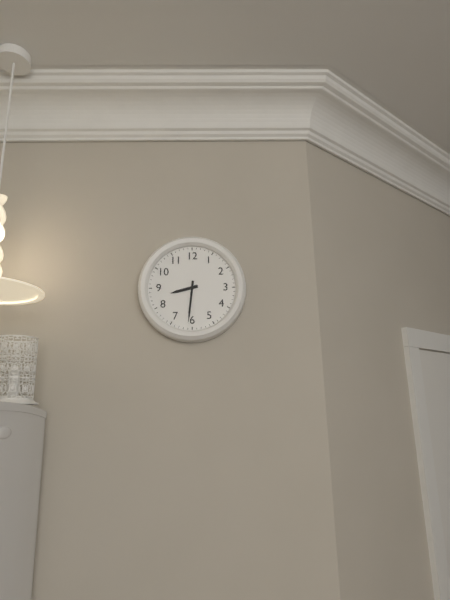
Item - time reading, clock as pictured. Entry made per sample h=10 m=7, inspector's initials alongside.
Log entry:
h=8 m=31
